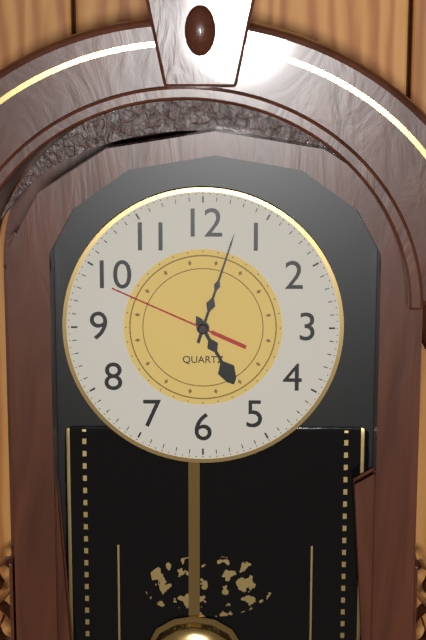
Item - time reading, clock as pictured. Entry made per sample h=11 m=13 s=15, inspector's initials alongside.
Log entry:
h=5 m=3 s=49
